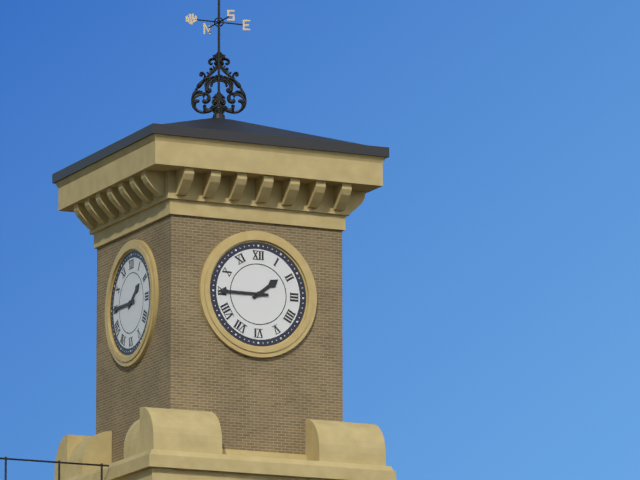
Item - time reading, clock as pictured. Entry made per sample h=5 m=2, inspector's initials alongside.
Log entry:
h=1 m=45
